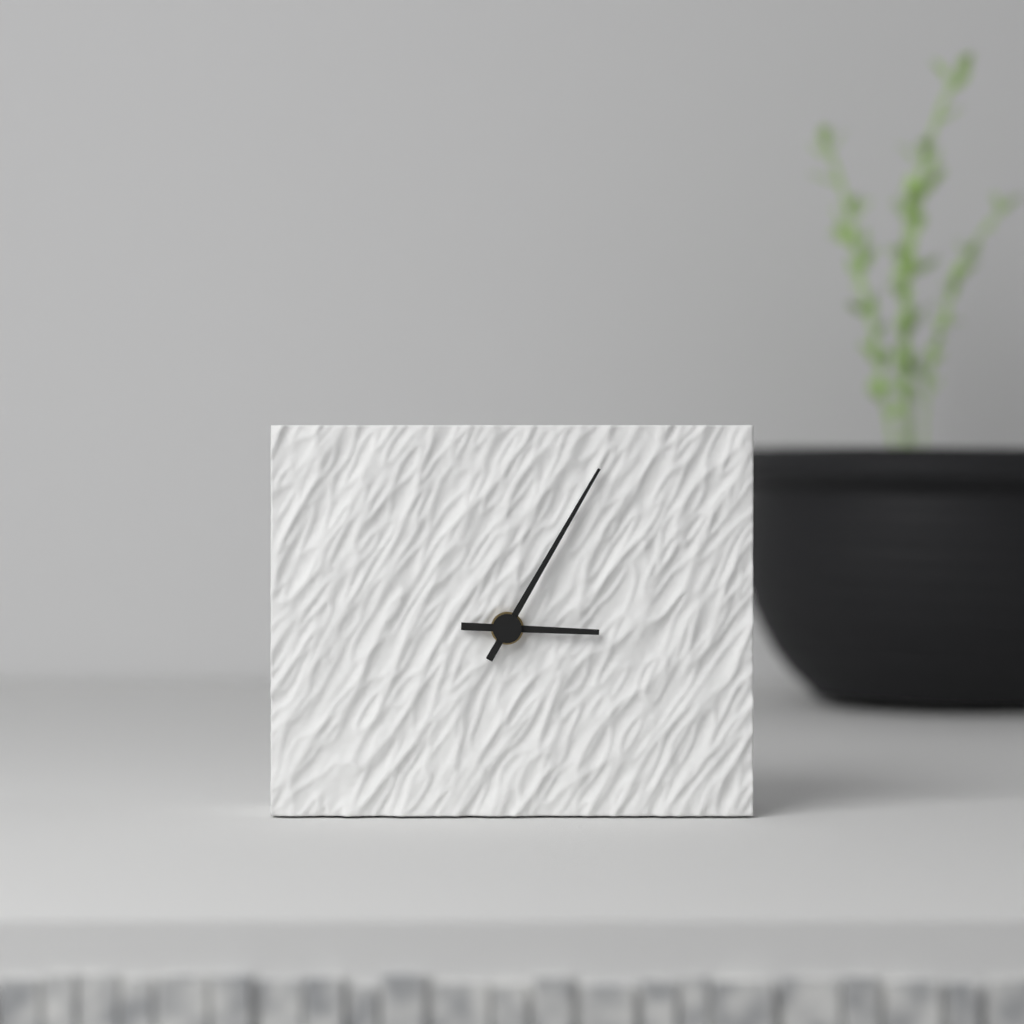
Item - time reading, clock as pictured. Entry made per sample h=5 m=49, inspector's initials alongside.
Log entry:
h=3 m=5
